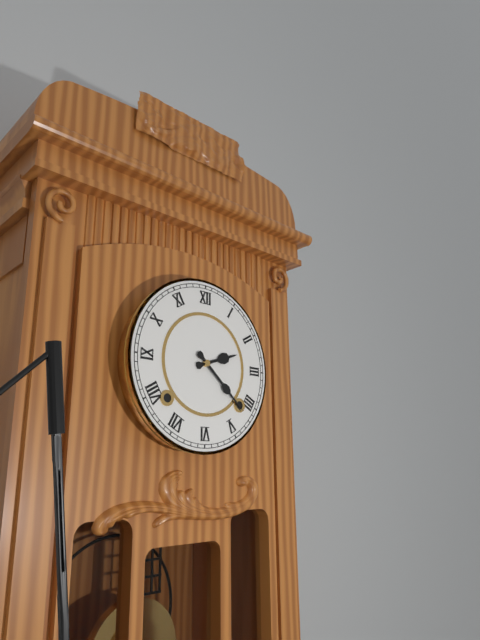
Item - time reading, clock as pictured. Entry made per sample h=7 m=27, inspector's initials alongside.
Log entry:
h=2 m=22
